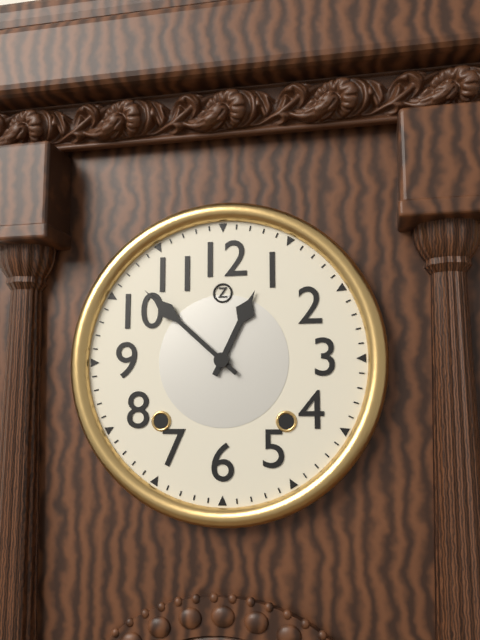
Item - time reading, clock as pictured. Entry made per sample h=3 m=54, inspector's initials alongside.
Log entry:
h=12 m=52
